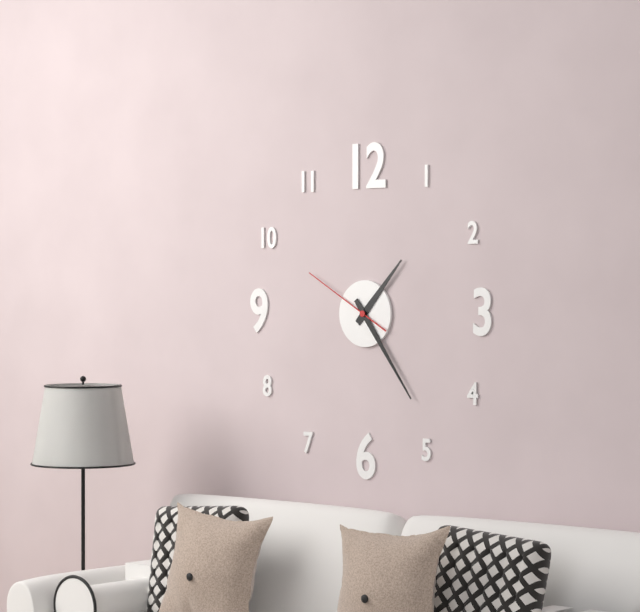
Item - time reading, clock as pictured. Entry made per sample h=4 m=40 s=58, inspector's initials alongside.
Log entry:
h=1 m=24 s=50
